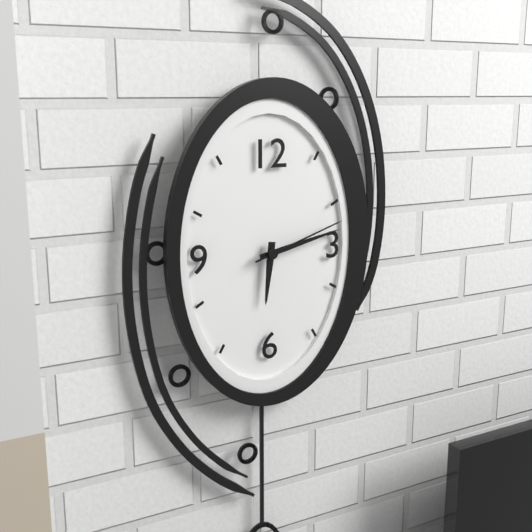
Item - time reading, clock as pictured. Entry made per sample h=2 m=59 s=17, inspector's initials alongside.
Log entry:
h=6 m=13 s=12
